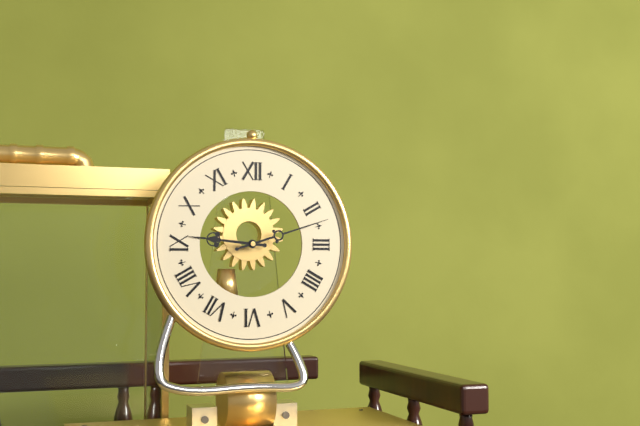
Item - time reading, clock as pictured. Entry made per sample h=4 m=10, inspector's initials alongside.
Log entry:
h=9 m=12
